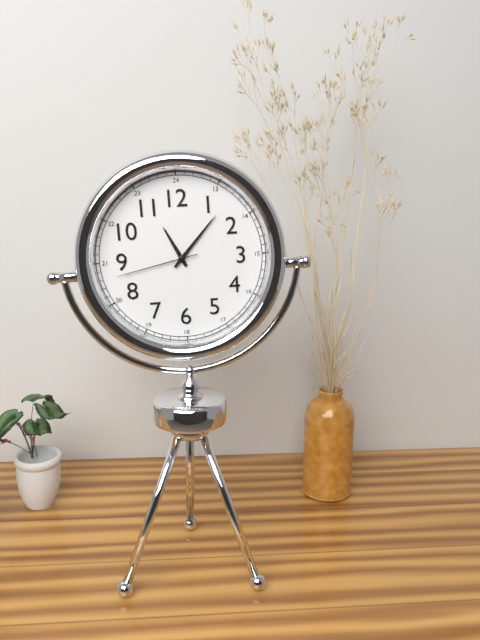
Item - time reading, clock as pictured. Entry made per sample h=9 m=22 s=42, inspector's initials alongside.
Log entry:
h=11 m=7 s=43
